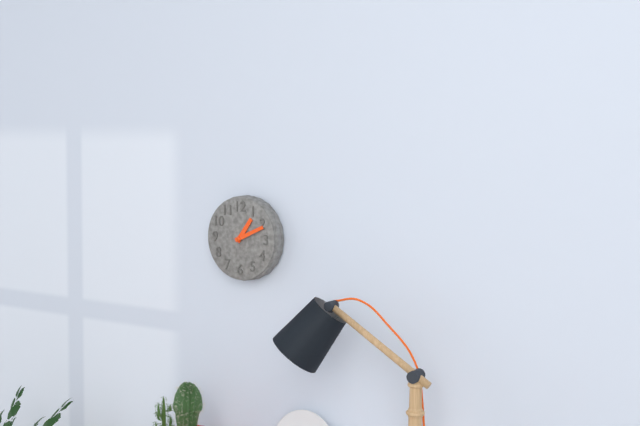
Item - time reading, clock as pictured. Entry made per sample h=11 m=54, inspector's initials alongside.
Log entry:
h=1 m=11
